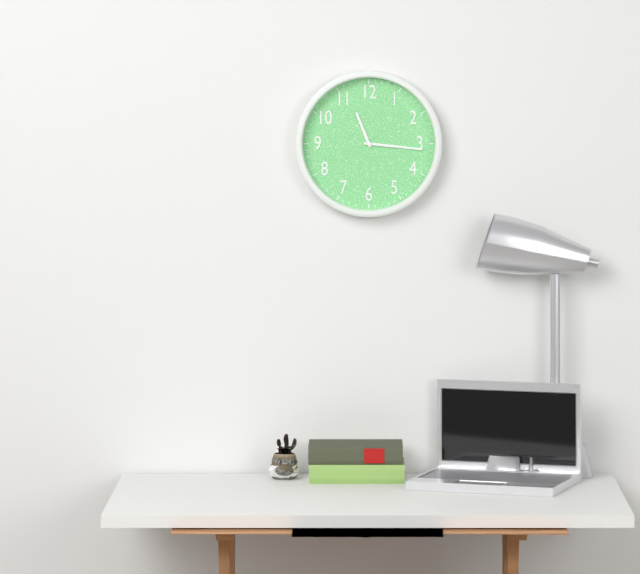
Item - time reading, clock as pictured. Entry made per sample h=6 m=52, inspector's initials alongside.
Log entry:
h=11 m=16
